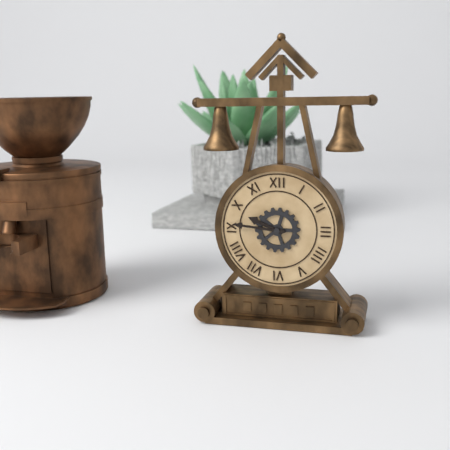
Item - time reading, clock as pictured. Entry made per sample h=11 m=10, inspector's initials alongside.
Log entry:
h=9 m=46
